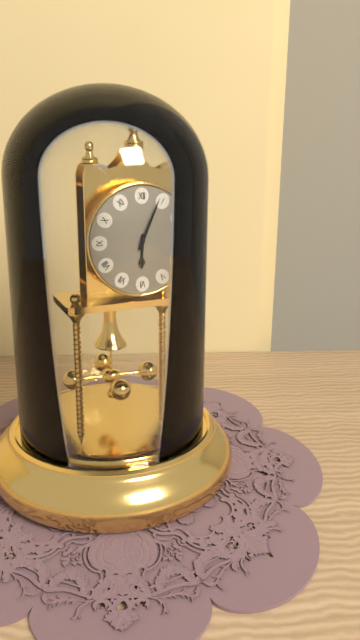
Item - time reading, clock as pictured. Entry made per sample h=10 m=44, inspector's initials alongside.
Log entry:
h=6 m=4
